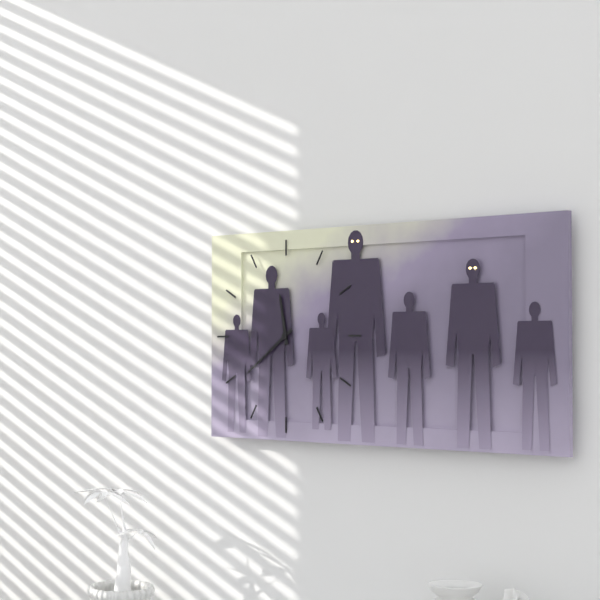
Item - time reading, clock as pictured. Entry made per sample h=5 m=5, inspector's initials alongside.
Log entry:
h=11 m=39
